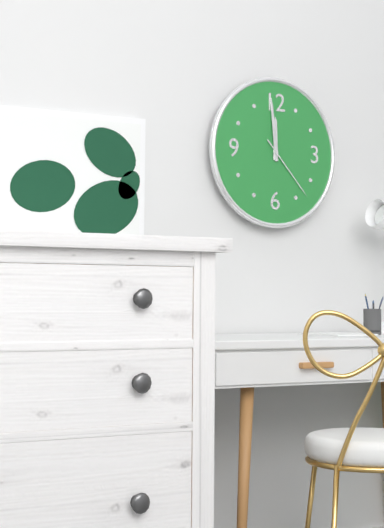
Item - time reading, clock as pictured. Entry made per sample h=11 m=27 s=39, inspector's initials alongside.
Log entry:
h=11 m=59 s=23
